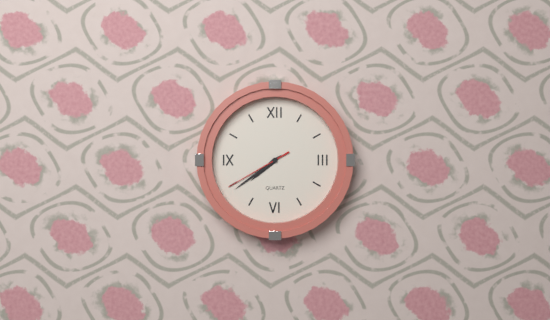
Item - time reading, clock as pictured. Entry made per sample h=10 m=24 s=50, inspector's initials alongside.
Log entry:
h=7 m=39 s=40
